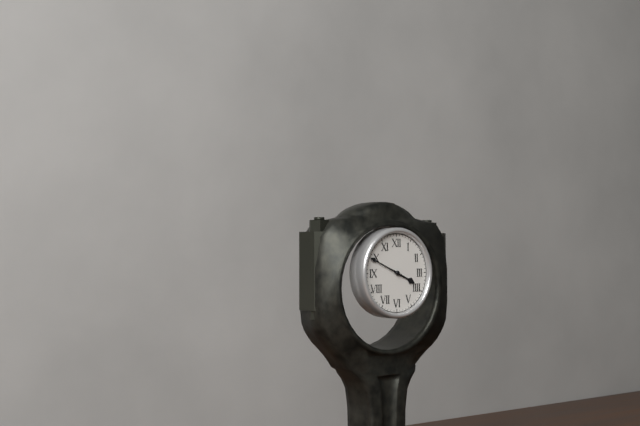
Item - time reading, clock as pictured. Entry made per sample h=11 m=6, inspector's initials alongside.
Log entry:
h=3 m=49
